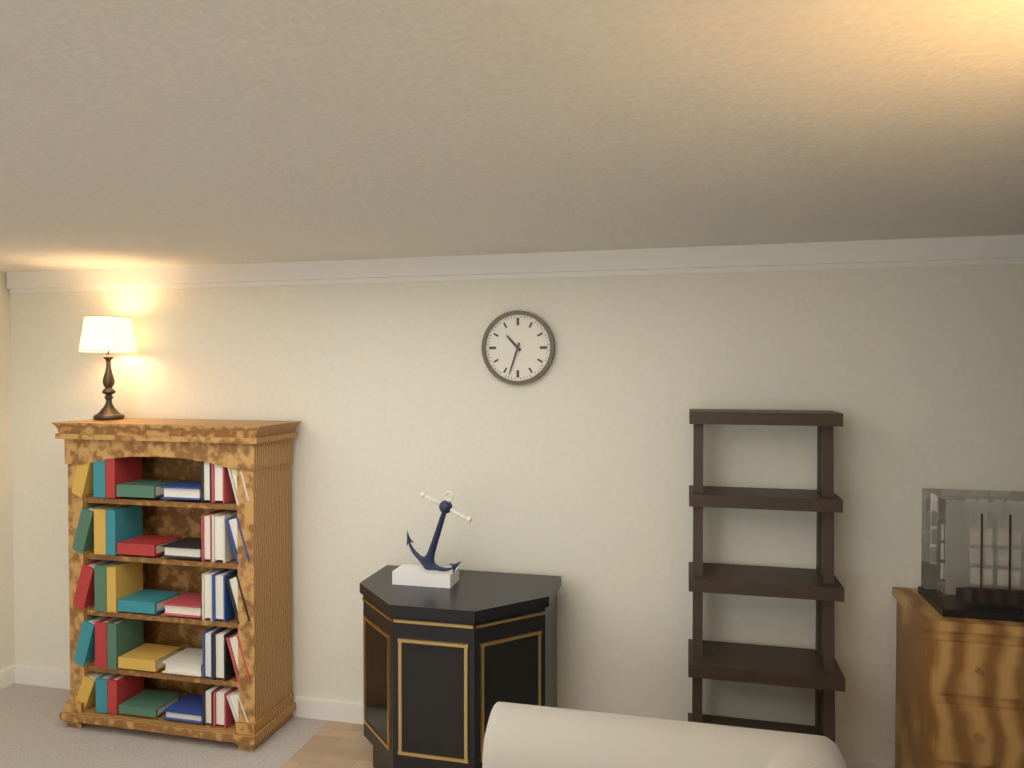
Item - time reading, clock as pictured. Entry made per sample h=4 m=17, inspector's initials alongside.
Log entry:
h=10 m=33
